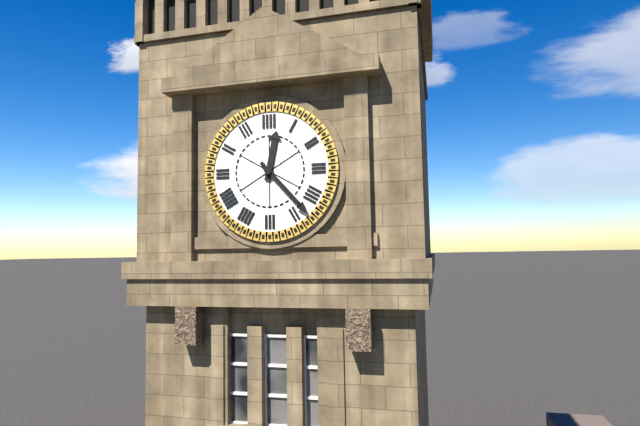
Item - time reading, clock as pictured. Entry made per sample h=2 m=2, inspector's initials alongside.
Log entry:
h=12 m=23
